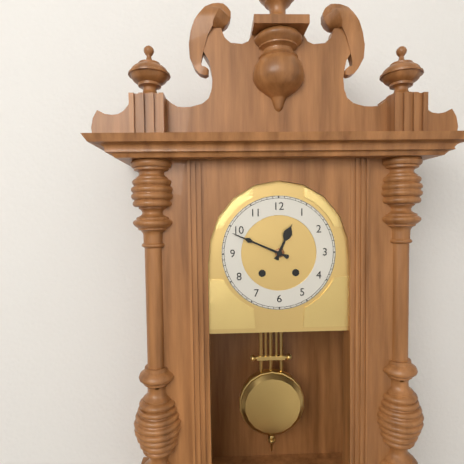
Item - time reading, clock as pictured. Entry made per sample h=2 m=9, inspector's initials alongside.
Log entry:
h=12 m=49
